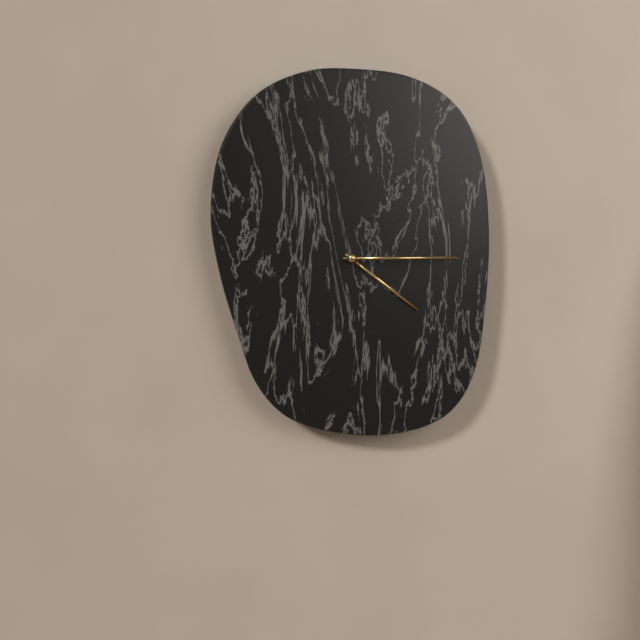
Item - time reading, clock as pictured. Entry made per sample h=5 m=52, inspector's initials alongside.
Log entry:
h=4 m=15
